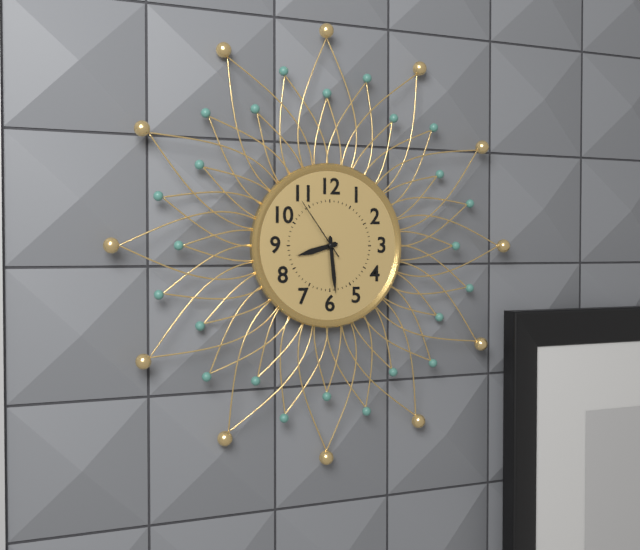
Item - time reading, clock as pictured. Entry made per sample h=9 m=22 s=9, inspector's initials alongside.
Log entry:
h=8 m=29 s=54
